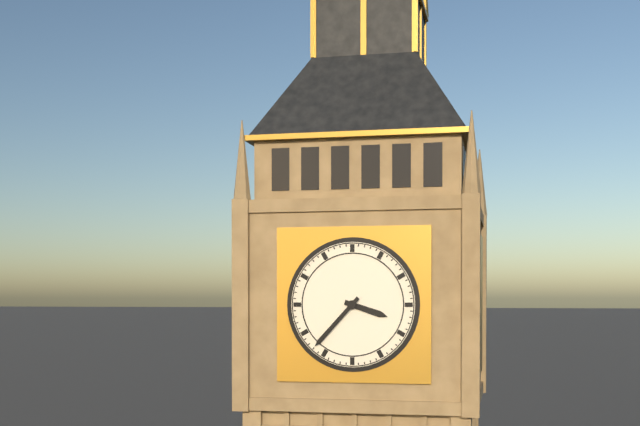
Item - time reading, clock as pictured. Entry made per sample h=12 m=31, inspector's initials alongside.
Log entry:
h=3 m=37
